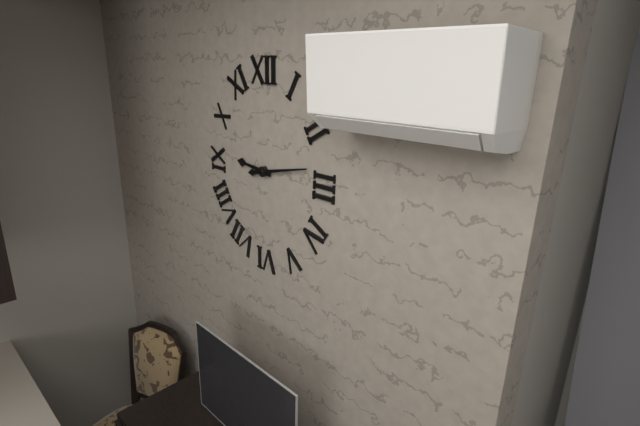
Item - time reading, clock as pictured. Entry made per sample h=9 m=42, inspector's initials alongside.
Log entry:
h=9 m=13
